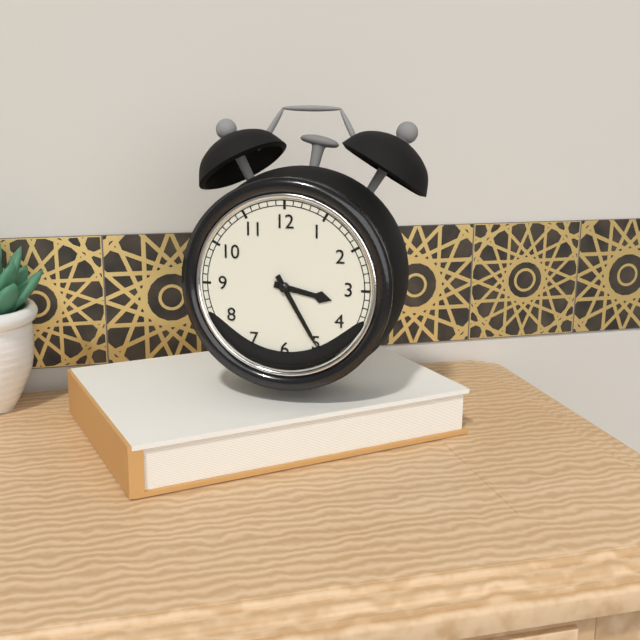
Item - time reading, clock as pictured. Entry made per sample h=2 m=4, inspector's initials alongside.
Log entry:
h=3 m=25
